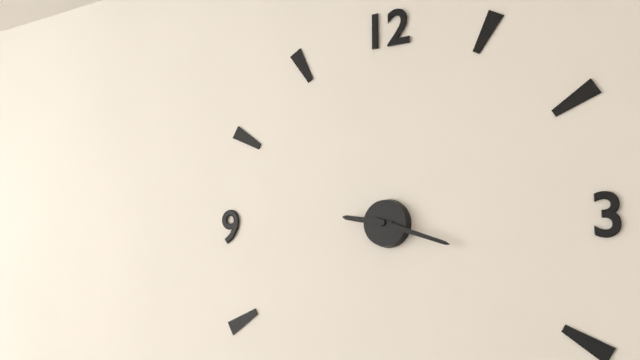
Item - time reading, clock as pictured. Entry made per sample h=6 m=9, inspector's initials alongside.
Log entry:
h=9 m=18
